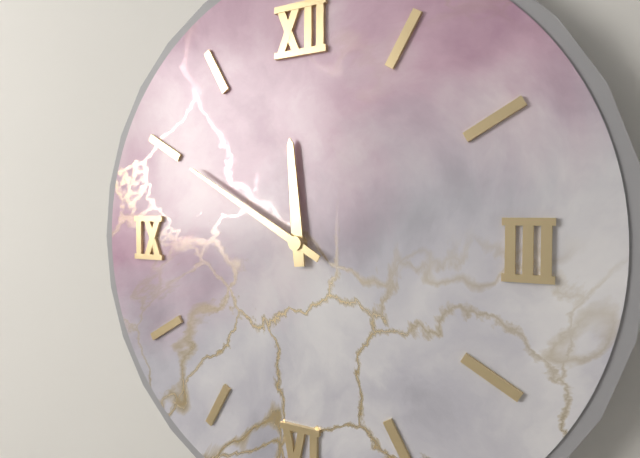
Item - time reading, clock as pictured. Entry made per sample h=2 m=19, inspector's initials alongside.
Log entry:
h=11 m=50
